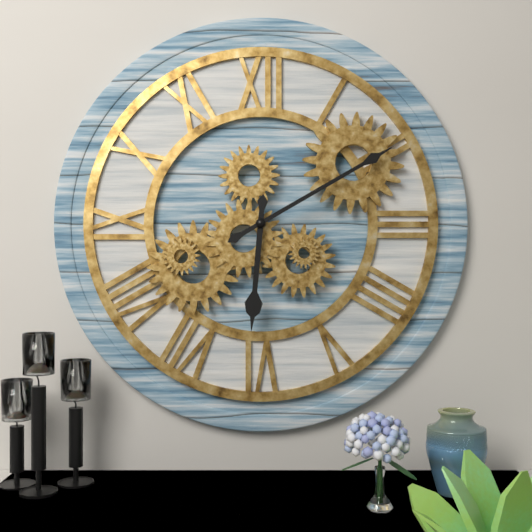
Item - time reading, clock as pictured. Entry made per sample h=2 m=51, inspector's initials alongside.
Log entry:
h=6 m=10
